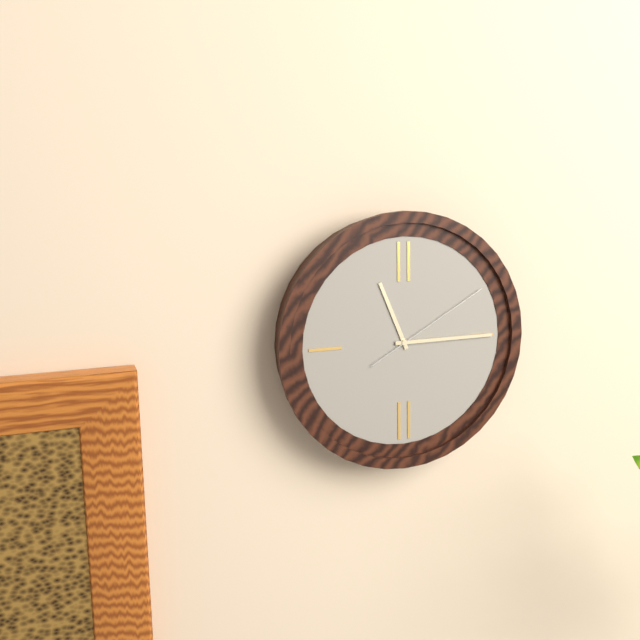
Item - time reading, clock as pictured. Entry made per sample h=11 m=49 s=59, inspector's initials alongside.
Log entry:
h=11 m=15 s=10
